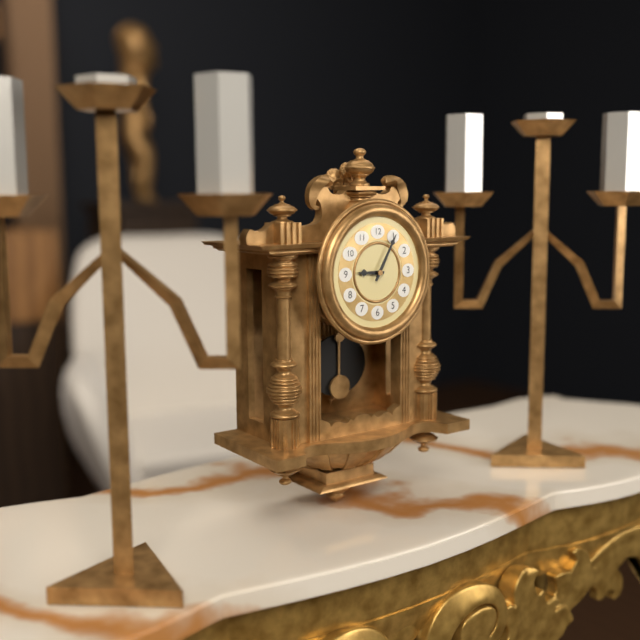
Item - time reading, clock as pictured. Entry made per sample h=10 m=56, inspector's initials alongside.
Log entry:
h=9 m=5
